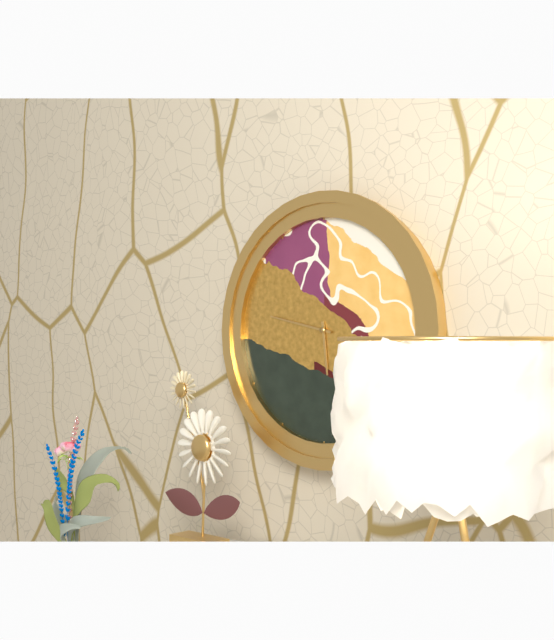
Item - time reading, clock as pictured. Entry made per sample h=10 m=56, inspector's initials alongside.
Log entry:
h=5 m=47
